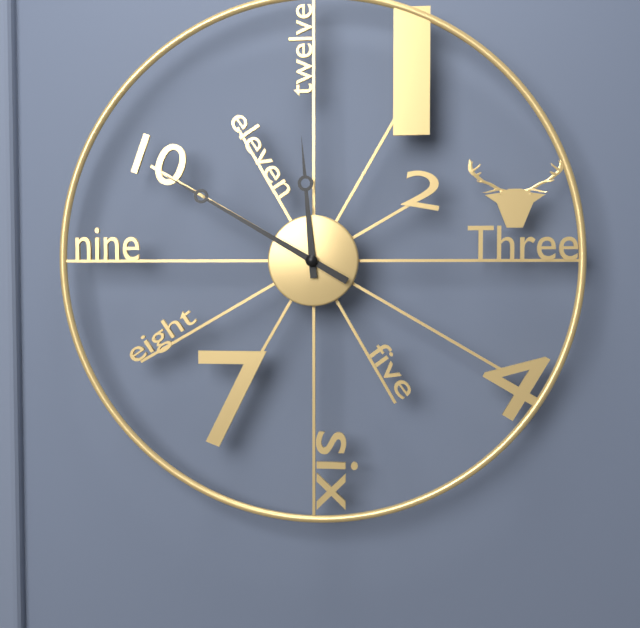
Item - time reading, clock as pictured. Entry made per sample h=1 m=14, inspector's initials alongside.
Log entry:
h=11 m=50
